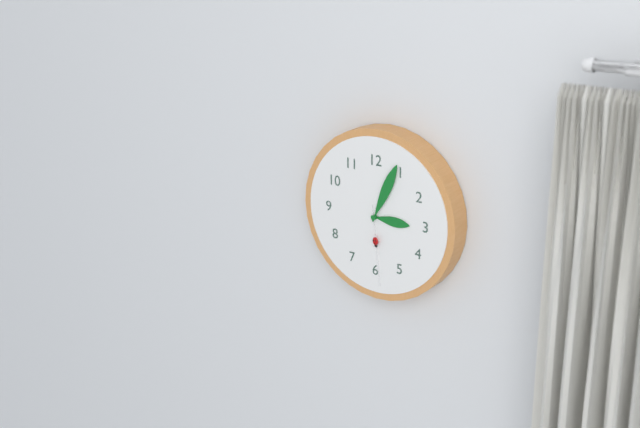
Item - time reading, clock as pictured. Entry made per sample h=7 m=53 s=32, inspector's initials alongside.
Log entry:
h=3 m=4 s=29
